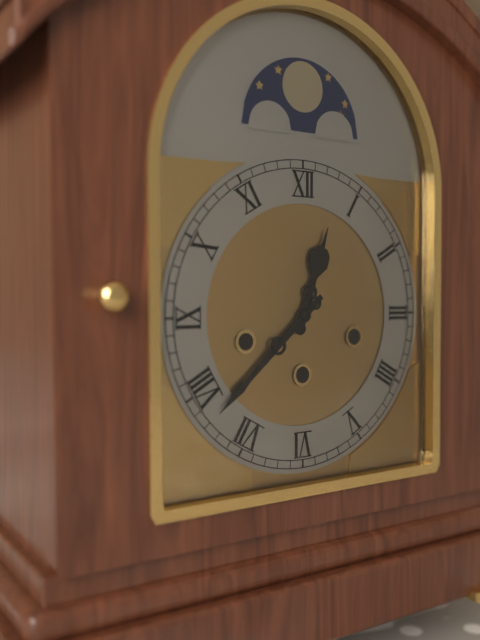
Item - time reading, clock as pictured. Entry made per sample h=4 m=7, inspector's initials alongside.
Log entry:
h=12 m=38
